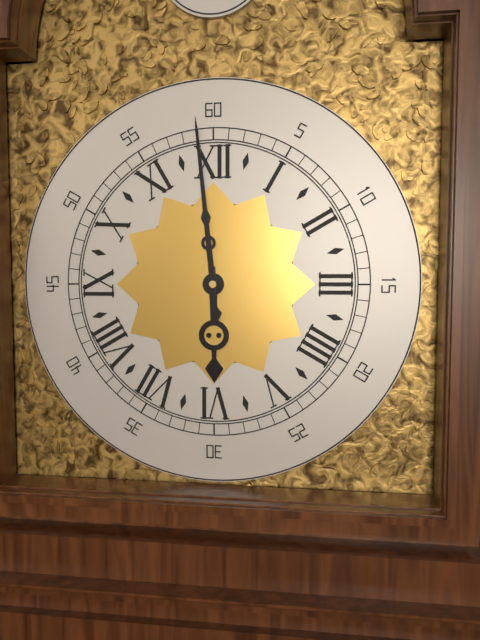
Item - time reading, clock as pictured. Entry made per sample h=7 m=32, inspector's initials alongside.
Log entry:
h=5 m=59
